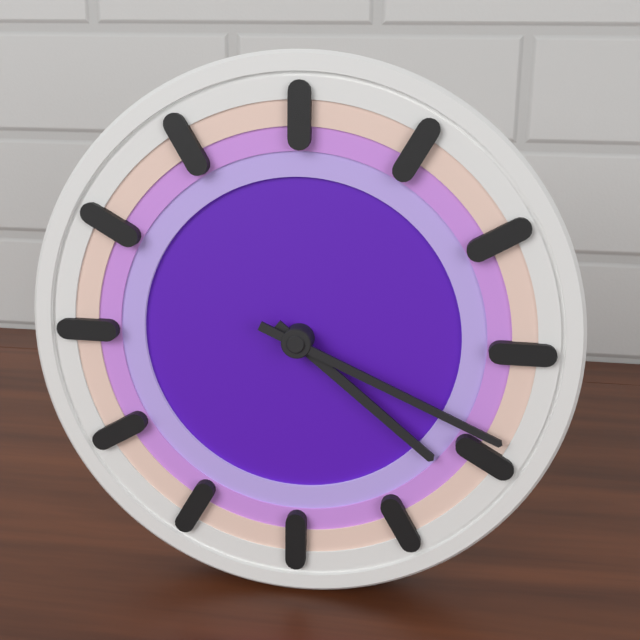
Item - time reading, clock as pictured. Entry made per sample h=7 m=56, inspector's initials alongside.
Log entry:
h=4 m=19
